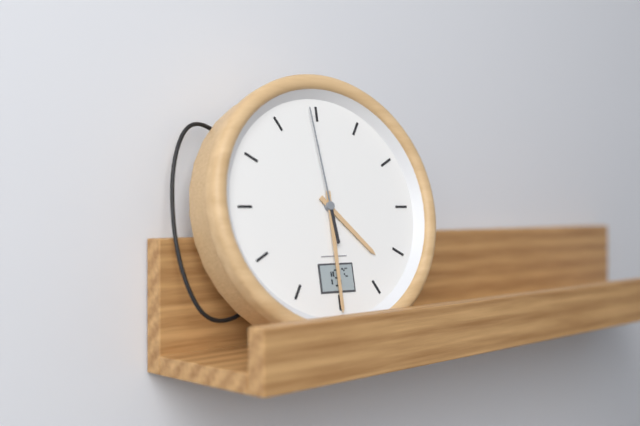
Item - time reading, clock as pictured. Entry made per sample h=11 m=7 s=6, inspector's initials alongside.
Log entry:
h=4 m=30 s=59
